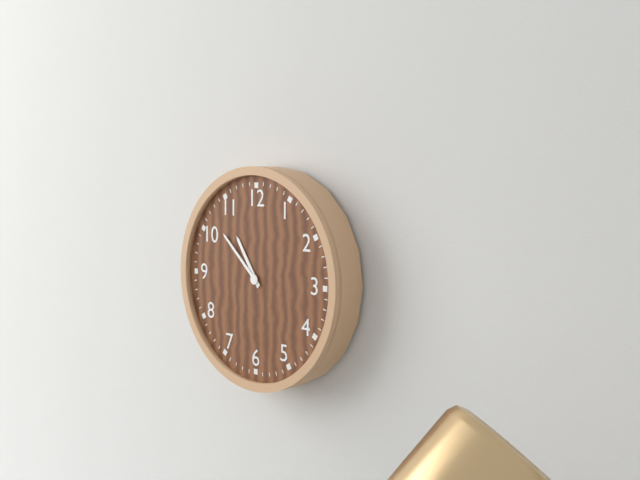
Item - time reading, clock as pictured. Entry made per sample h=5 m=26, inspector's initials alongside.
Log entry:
h=10 m=52
